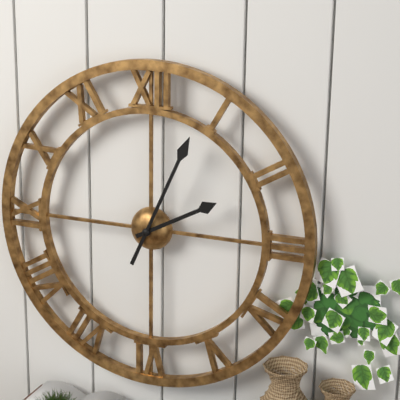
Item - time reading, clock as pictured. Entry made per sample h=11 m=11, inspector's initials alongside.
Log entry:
h=2 m=4
